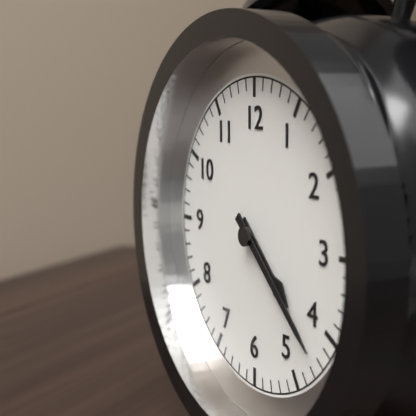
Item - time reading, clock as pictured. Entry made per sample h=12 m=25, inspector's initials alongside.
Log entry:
h=4 m=22
